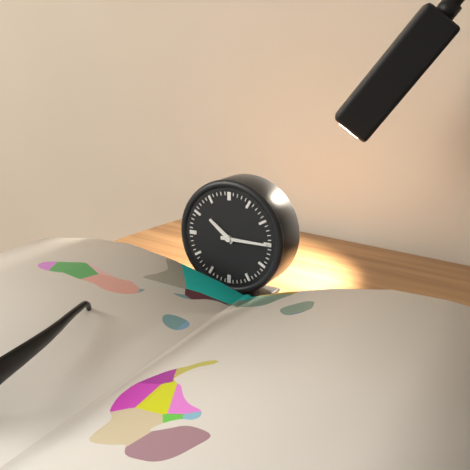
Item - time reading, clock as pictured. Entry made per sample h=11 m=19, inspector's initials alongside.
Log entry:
h=10 m=15
